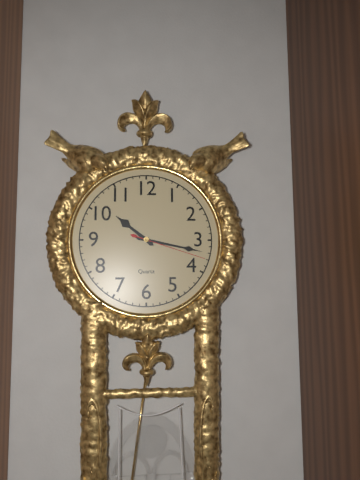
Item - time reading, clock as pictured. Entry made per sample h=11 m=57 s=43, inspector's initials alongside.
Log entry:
h=10 m=17 s=18
